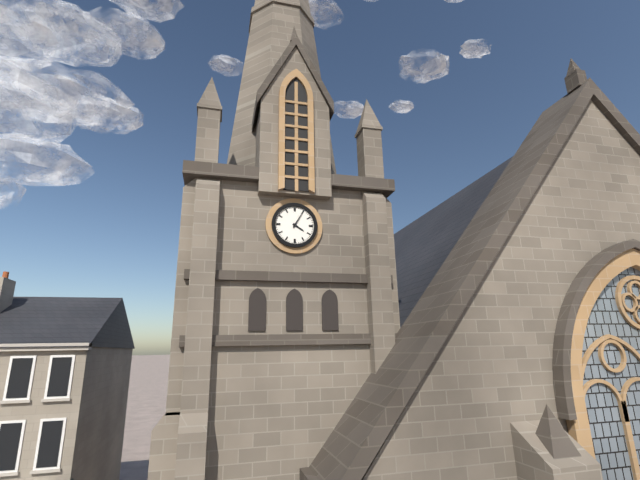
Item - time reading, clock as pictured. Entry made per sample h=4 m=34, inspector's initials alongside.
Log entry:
h=4 m=5
